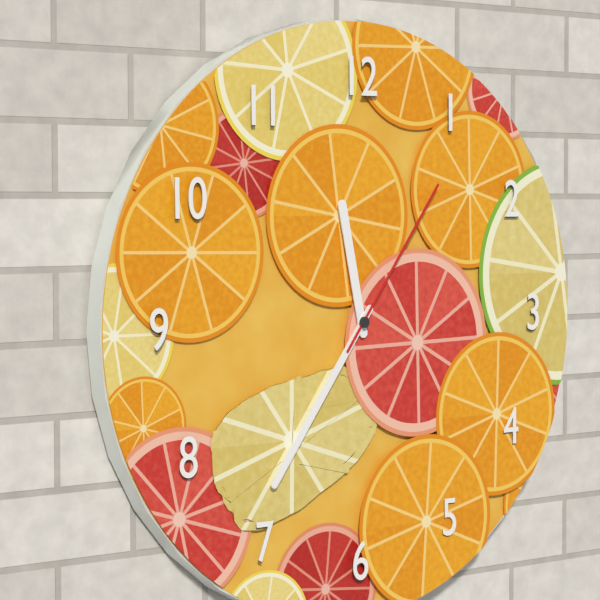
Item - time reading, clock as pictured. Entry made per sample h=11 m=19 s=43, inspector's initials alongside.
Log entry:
h=11 m=36 s=6
